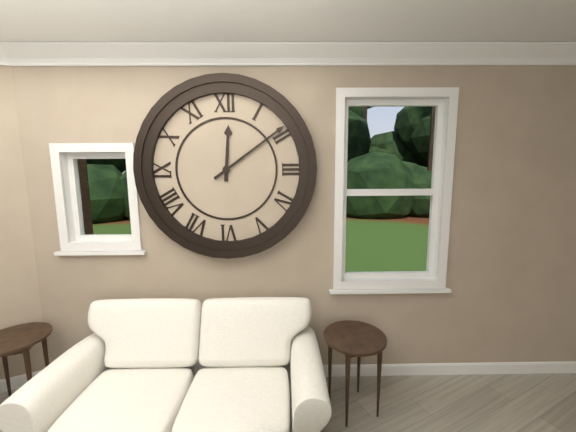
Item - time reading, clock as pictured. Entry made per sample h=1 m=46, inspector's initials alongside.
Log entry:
h=12 m=9
